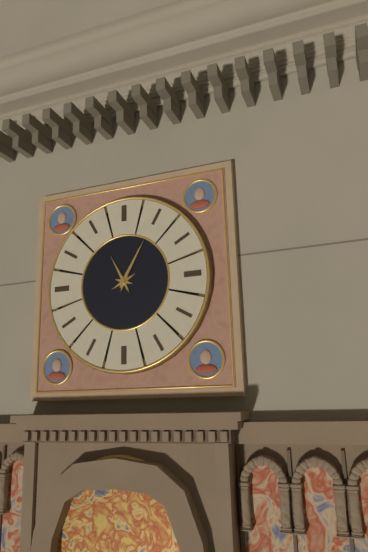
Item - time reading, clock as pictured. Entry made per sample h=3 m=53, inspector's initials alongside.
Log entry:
h=11 m=5
